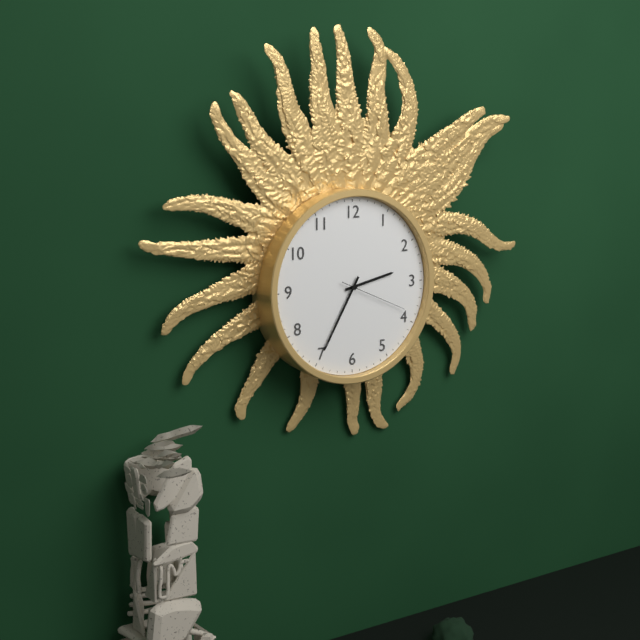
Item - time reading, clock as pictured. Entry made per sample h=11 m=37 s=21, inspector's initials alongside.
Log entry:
h=2 m=35 s=19
